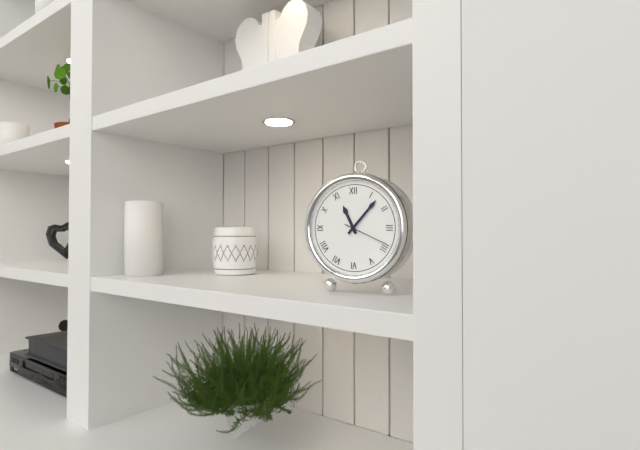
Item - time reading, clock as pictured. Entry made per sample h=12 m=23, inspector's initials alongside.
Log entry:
h=11 m=7
